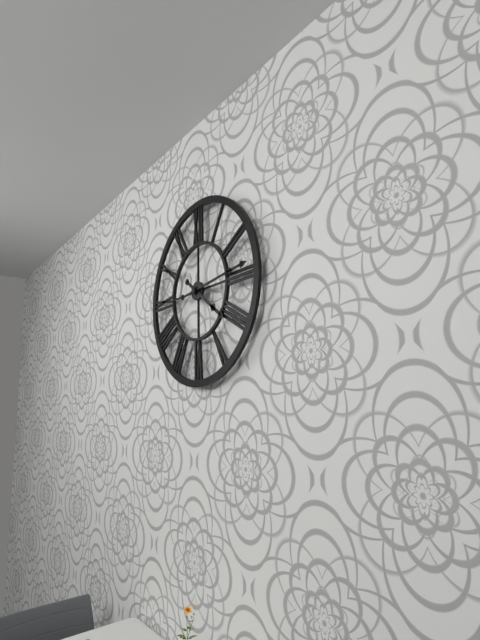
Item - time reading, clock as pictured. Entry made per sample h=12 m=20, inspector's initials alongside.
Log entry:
h=4 m=14
